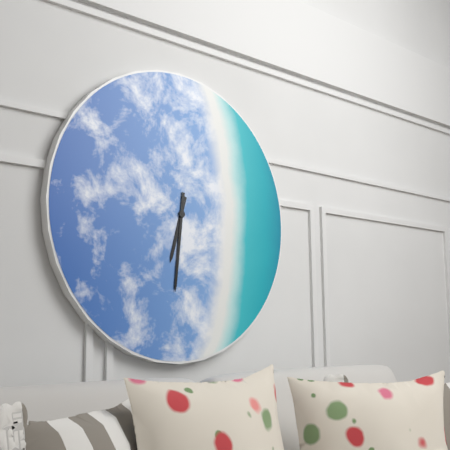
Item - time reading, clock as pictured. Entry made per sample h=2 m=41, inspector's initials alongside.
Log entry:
h=6 m=31
